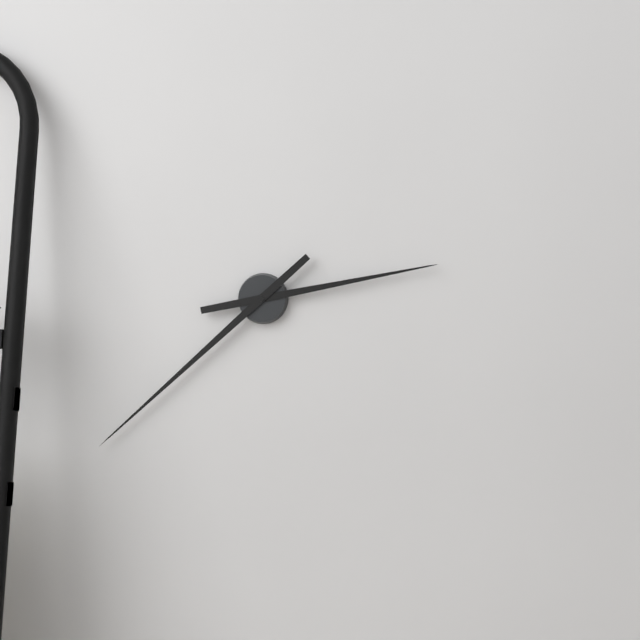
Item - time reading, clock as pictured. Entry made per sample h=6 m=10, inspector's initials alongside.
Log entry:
h=2 m=38
